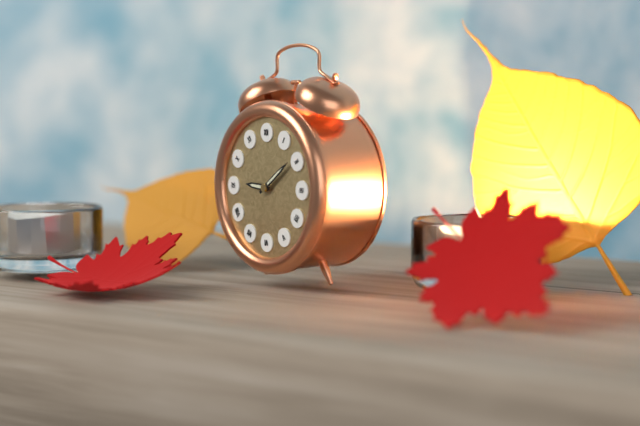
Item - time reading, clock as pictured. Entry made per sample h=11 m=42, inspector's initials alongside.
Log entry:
h=9 m=9
